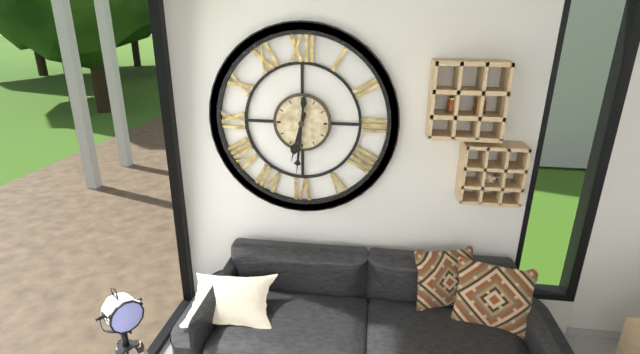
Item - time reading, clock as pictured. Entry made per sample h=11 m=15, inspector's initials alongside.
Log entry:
h=6 m=31
